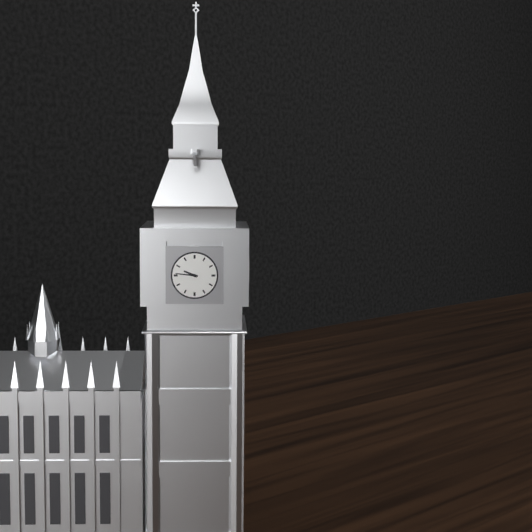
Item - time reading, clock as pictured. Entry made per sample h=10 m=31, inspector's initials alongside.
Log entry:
h=9 m=46
